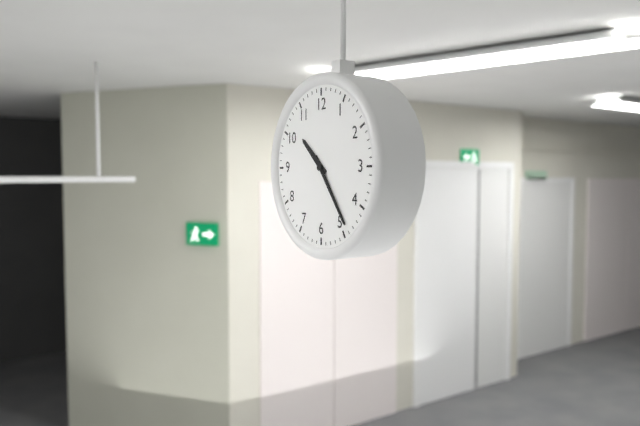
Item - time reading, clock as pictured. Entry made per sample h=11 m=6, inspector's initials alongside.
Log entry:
h=10 m=24
